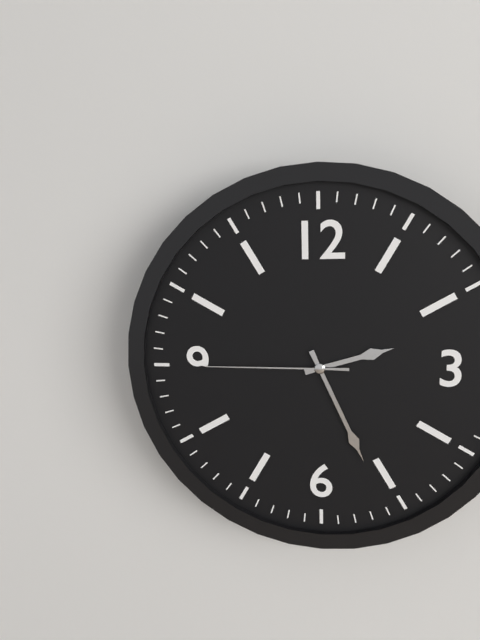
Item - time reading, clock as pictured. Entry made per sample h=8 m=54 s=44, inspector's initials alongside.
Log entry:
h=2 m=26 s=45
